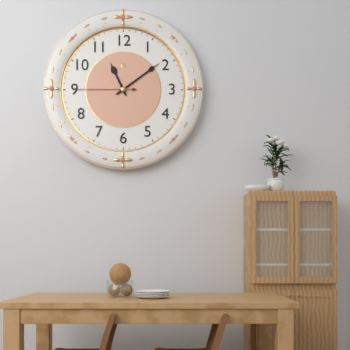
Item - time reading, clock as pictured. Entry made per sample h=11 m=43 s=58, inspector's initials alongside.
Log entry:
h=11 m=9 s=45
